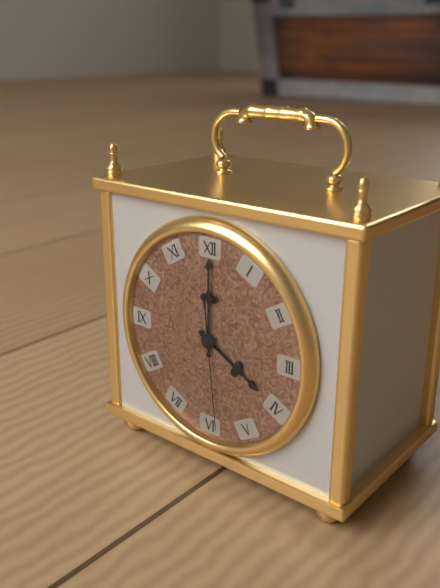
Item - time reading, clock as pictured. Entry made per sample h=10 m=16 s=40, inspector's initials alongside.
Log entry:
h=4 m=0 s=29
